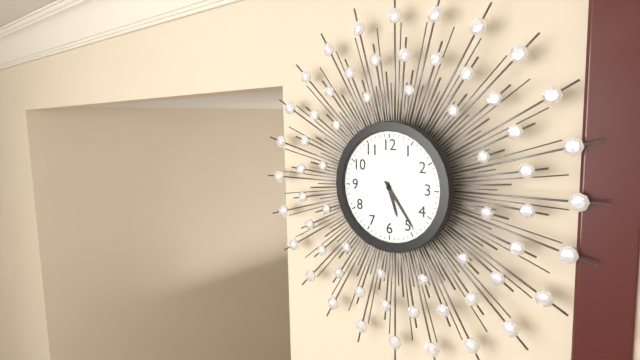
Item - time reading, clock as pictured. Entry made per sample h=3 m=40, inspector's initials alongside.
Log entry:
h=5 m=24
